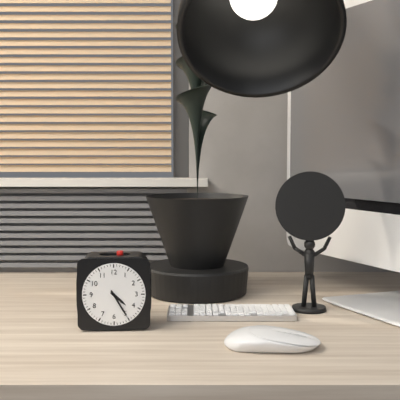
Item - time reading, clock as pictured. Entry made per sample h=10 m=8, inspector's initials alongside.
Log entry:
h=4 m=25
